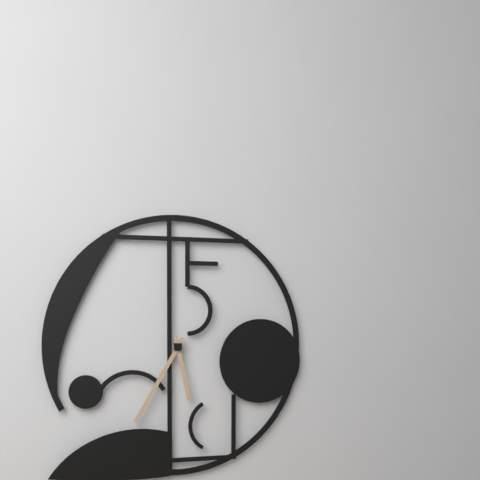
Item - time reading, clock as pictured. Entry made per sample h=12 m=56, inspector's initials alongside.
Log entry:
h=5 m=35
